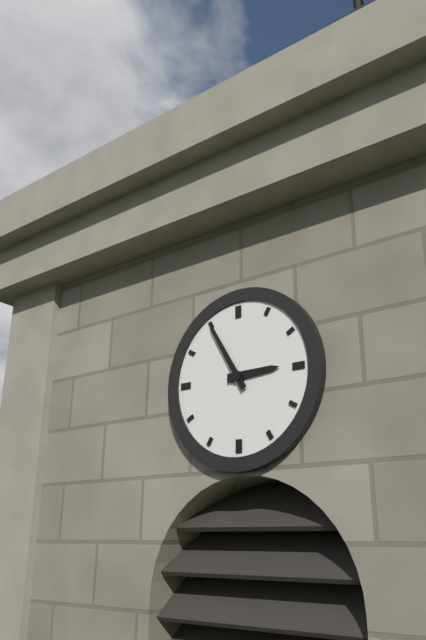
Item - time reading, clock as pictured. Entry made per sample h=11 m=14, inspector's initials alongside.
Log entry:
h=2 m=55
